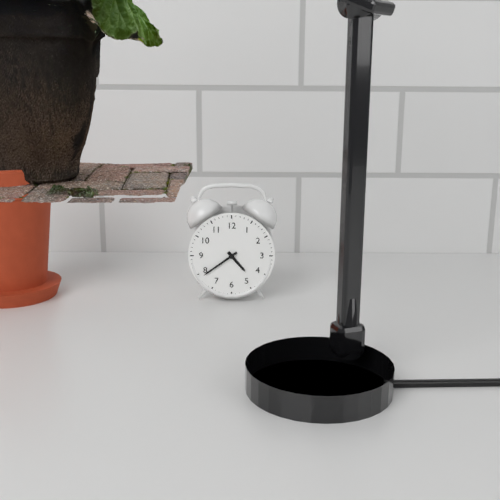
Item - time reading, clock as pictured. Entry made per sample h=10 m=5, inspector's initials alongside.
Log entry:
h=4 m=39
